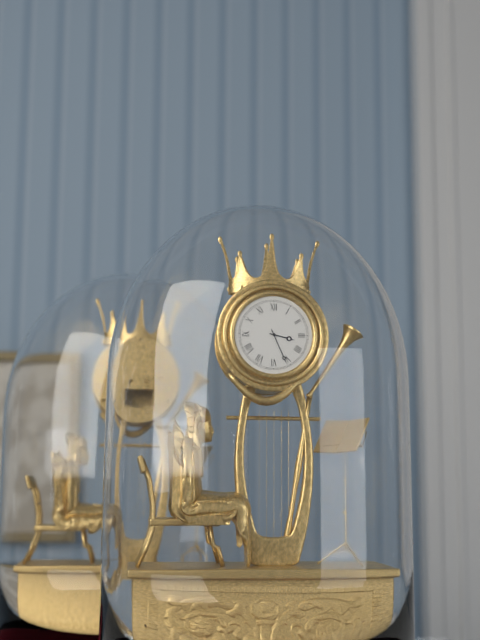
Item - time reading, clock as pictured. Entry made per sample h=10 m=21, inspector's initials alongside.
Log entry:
h=3 m=26
